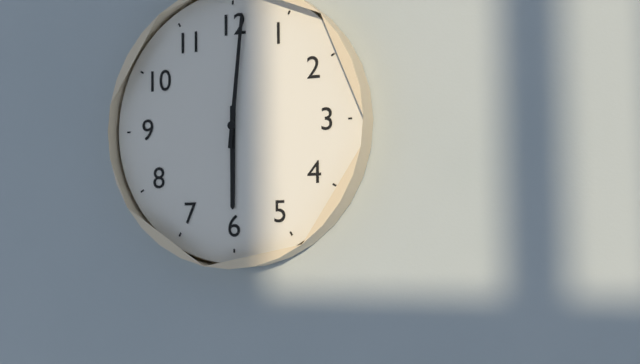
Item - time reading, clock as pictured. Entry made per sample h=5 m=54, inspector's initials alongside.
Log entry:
h=6 m=1
